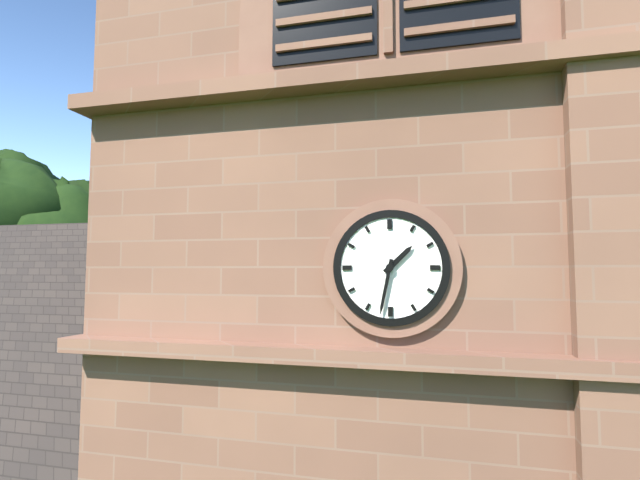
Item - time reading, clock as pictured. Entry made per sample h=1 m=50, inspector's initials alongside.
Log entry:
h=1 m=32
